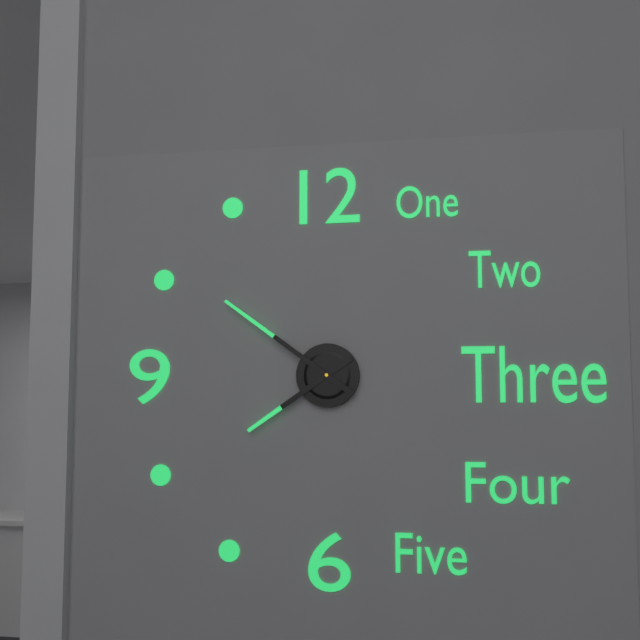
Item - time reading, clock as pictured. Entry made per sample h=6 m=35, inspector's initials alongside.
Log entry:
h=7 m=51
